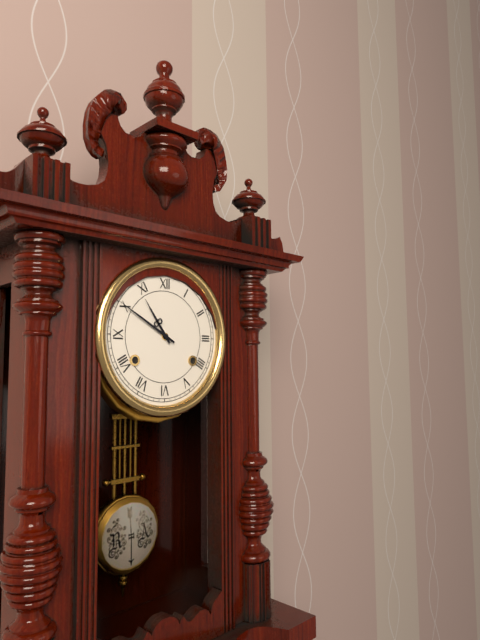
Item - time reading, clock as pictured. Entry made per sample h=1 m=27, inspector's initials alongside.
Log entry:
h=10 m=50
